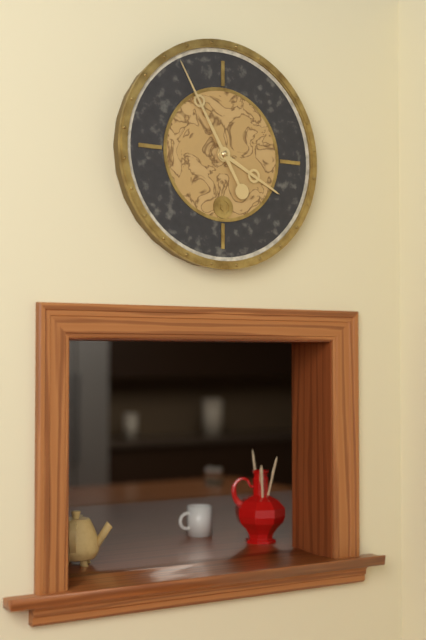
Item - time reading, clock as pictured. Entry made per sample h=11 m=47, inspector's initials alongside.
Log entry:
h=3 m=55
